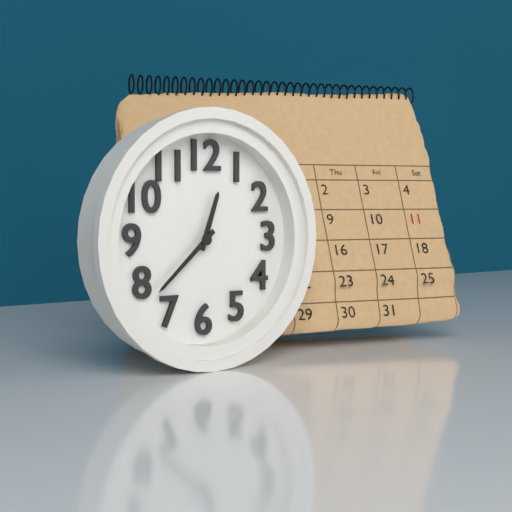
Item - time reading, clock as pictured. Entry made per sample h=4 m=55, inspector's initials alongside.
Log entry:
h=12 m=38
